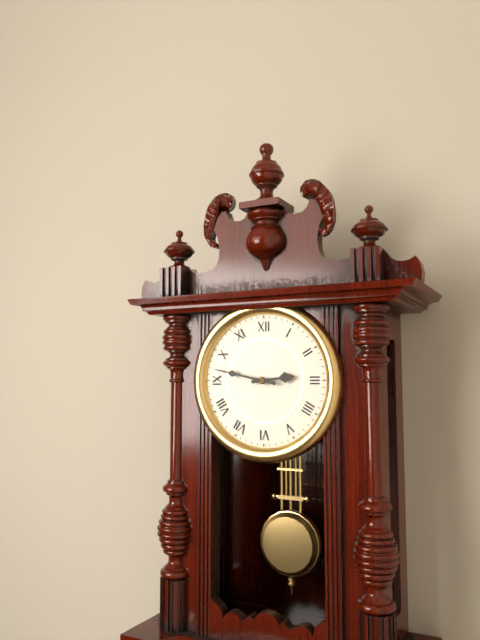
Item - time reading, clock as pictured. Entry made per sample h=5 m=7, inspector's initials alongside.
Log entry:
h=2 m=47
